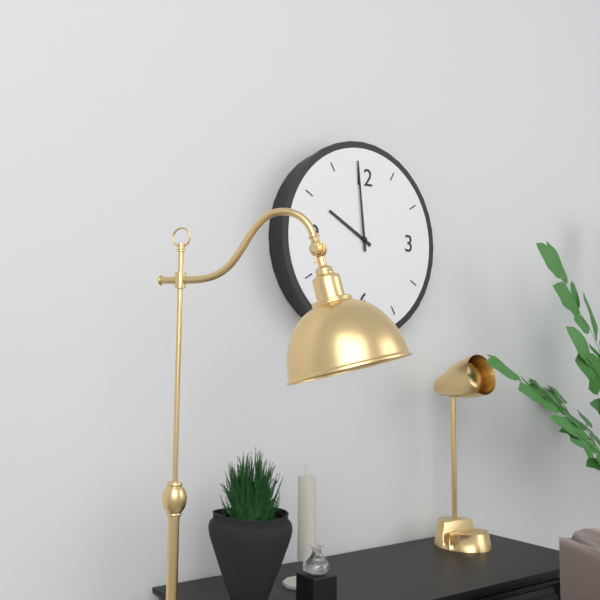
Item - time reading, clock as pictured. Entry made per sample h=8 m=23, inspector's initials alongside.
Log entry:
h=9 m=59
